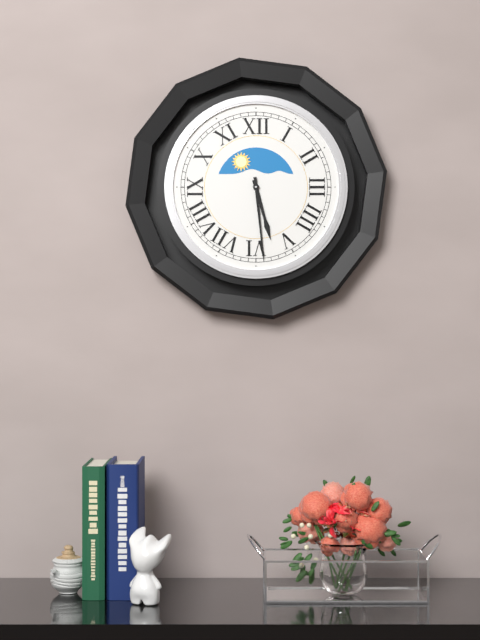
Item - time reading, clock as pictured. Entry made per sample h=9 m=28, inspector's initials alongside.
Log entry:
h=5 m=29
